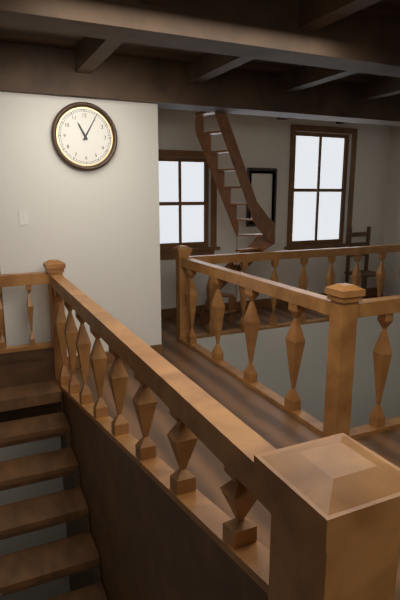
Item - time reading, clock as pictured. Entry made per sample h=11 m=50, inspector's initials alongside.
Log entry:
h=11 m=5
